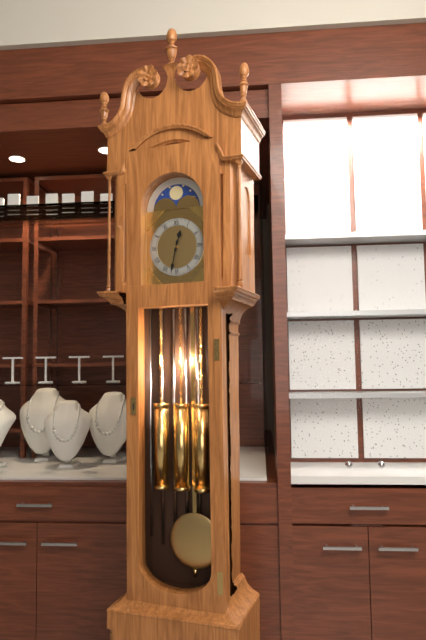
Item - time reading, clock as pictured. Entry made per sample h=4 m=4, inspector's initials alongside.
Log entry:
h=12 m=32
